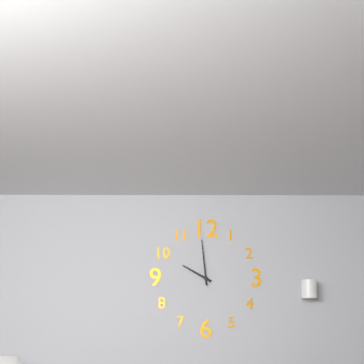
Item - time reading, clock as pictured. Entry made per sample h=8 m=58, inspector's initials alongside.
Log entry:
h=9 m=59
